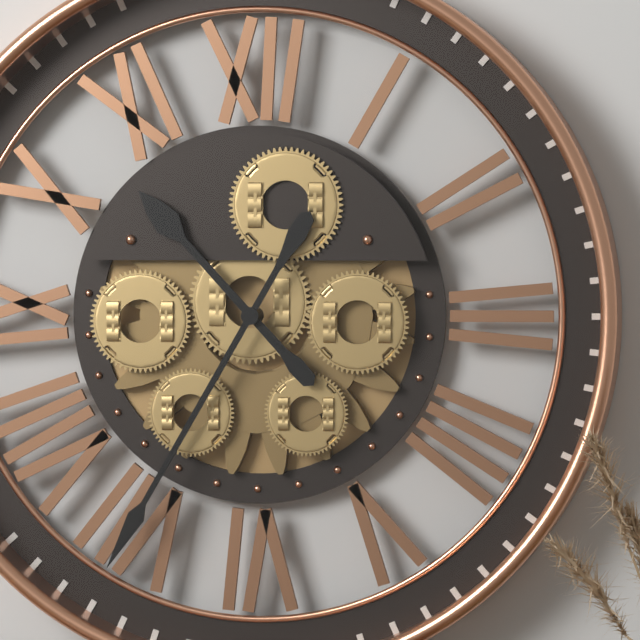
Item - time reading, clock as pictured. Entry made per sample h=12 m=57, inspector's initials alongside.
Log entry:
h=10 m=35
